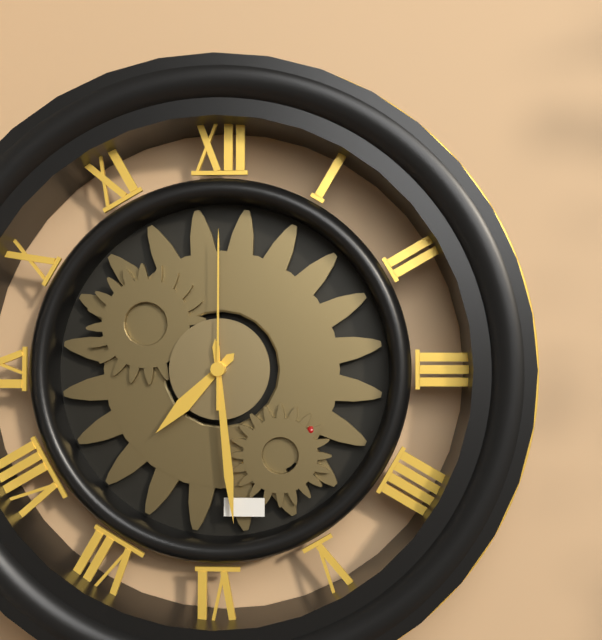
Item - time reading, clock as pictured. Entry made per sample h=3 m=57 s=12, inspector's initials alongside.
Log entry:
h=7 m=29 s=0
